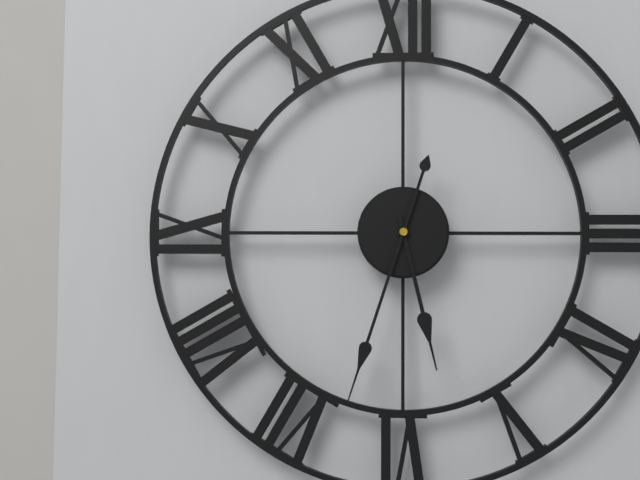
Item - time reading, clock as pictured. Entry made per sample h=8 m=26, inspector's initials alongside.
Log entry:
h=5 m=33
